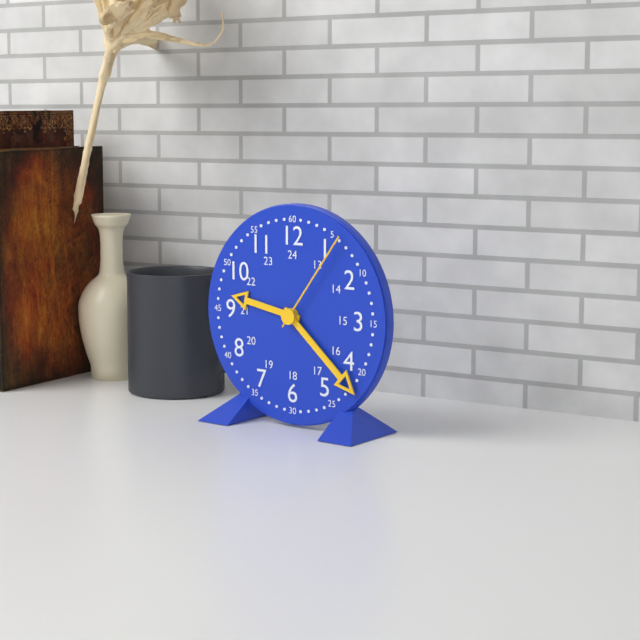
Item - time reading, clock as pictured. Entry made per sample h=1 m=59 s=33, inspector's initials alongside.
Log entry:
h=9 m=22 s=6
